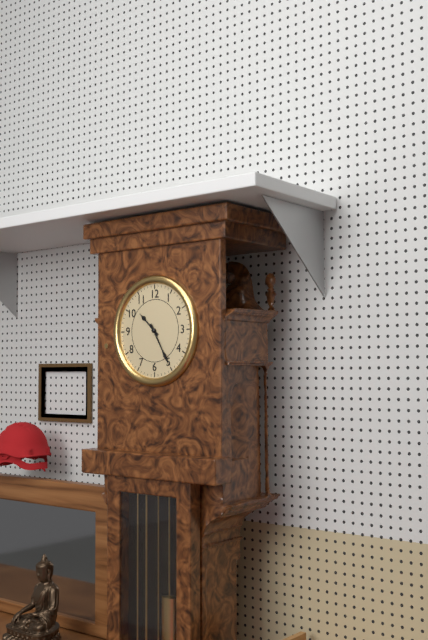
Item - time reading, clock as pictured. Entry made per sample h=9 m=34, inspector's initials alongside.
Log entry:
h=10 m=25
